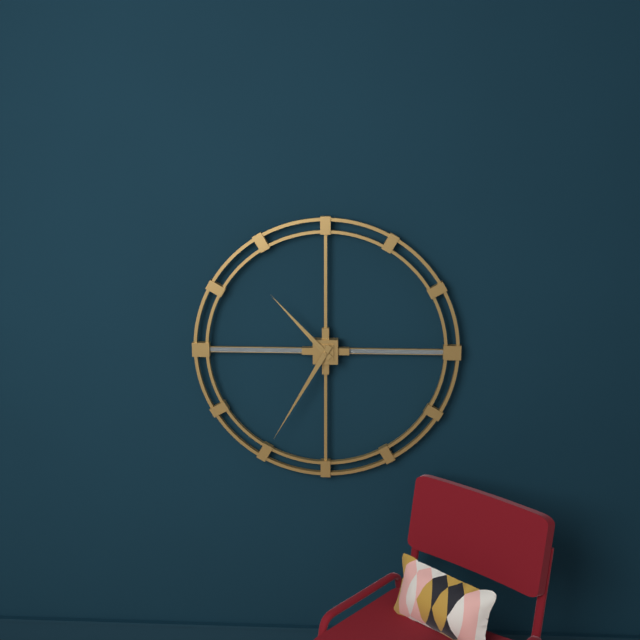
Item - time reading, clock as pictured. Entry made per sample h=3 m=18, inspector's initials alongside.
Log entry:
h=10 m=35
